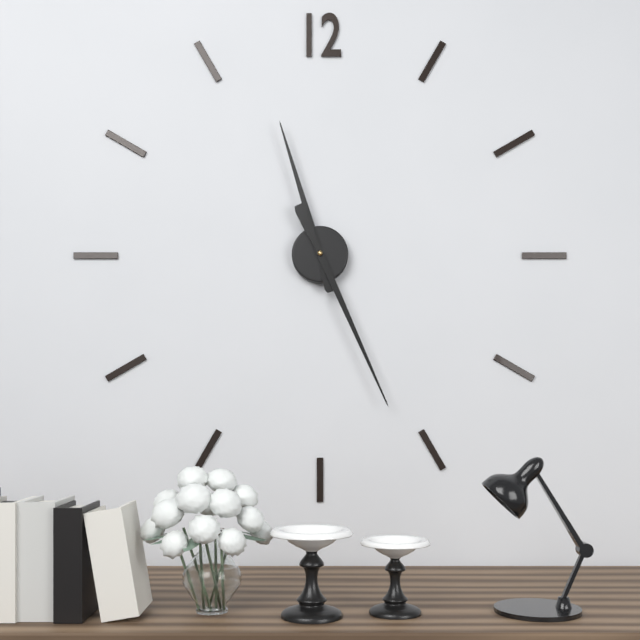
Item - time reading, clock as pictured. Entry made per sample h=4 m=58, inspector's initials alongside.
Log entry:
h=11 m=26
